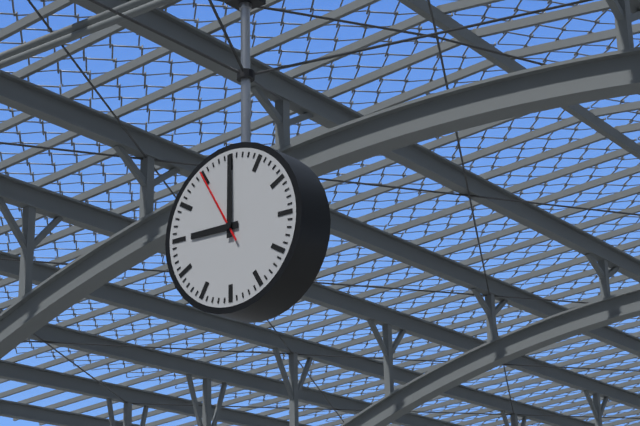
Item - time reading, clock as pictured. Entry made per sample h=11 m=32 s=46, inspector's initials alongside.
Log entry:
h=9 m=0 s=55
